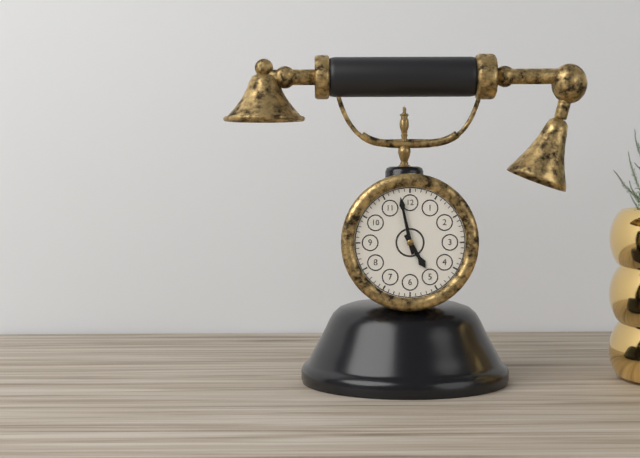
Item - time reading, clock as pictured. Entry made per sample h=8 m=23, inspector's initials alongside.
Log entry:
h=4 m=58
